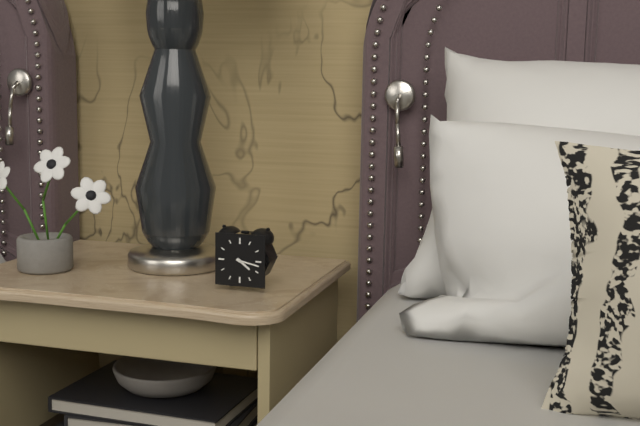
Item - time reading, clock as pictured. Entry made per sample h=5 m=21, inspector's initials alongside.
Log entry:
h=4 m=17
